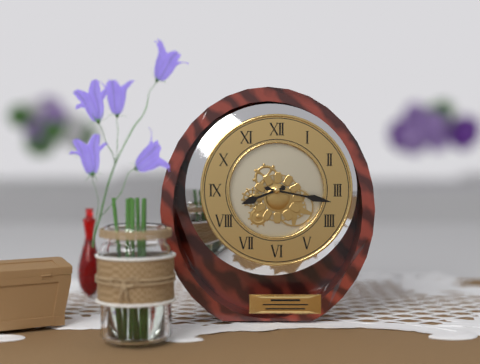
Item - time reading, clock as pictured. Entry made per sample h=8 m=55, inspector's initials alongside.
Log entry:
h=8 m=17
